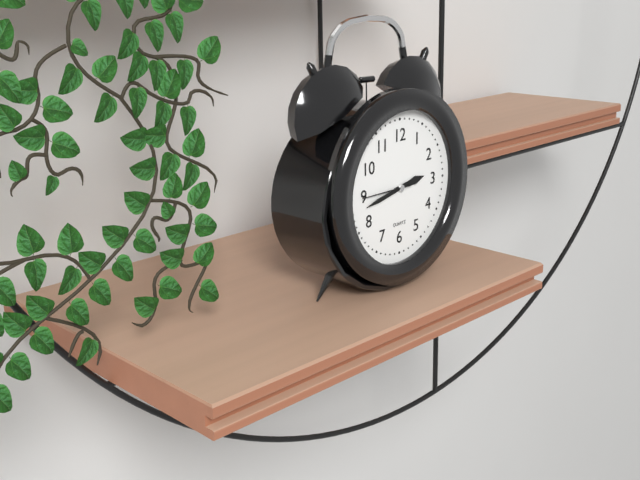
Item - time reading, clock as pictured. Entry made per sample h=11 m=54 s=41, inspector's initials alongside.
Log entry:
h=2 m=43 s=45
